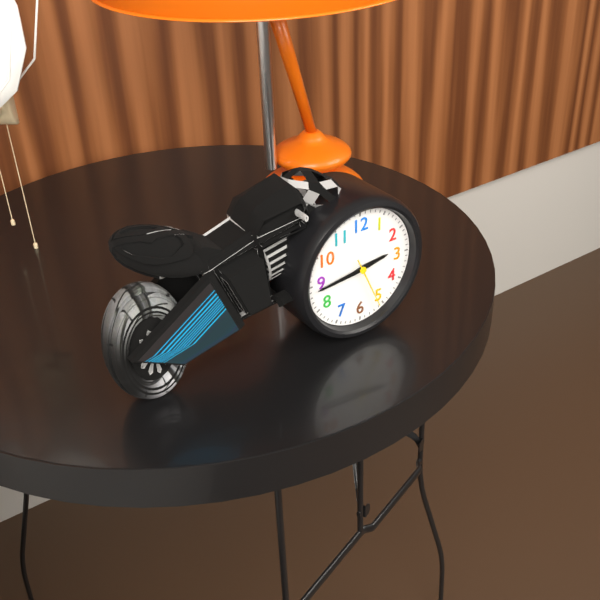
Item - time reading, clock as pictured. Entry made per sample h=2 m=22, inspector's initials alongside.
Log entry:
h=2 m=44
